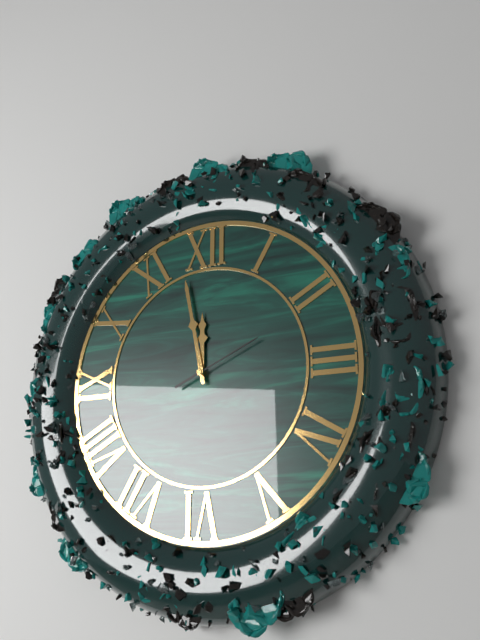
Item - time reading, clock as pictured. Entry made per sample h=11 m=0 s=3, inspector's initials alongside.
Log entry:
h=11 m=58 s=11
